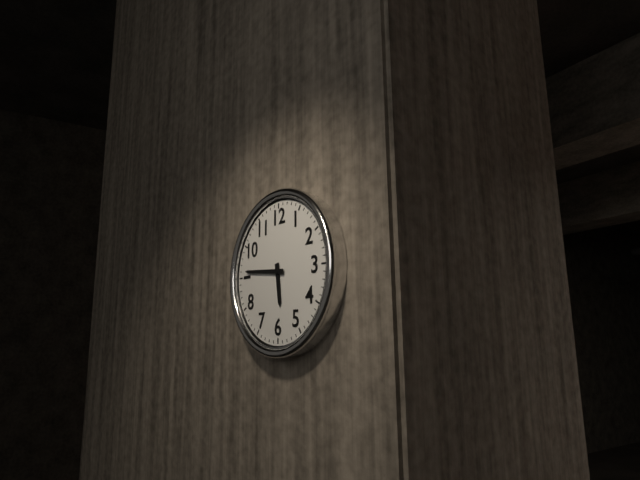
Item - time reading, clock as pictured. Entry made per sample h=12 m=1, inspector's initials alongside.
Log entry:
h=5 m=46
